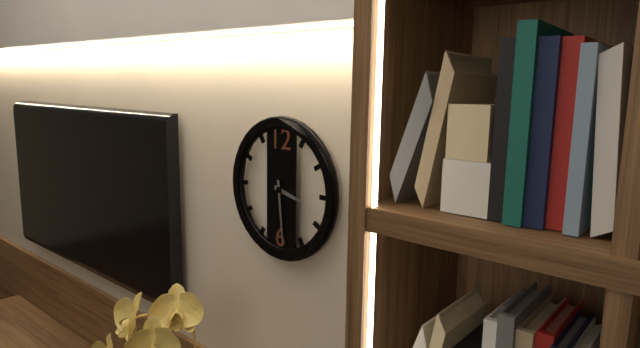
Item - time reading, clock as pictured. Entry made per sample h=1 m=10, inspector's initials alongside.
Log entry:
h=3 m=29
